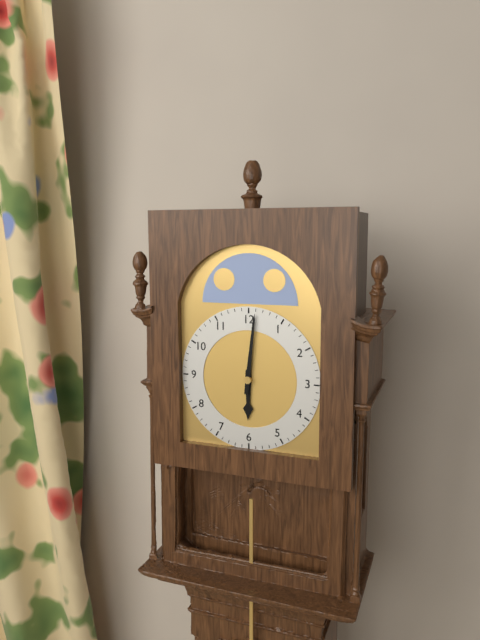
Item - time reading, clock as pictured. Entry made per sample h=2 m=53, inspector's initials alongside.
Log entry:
h=6 m=1
